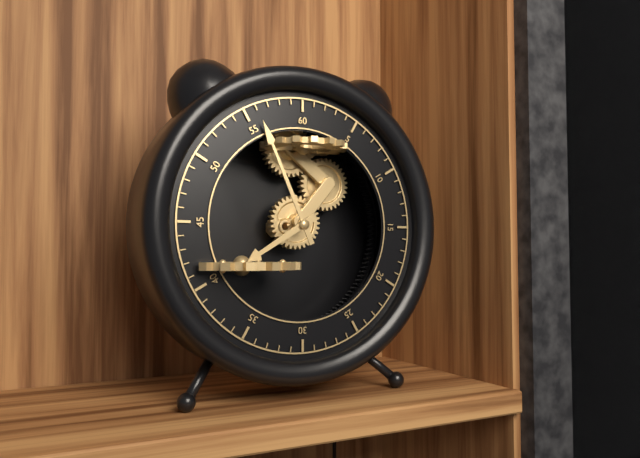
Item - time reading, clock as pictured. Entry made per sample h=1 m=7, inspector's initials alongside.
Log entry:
h=7 m=56
